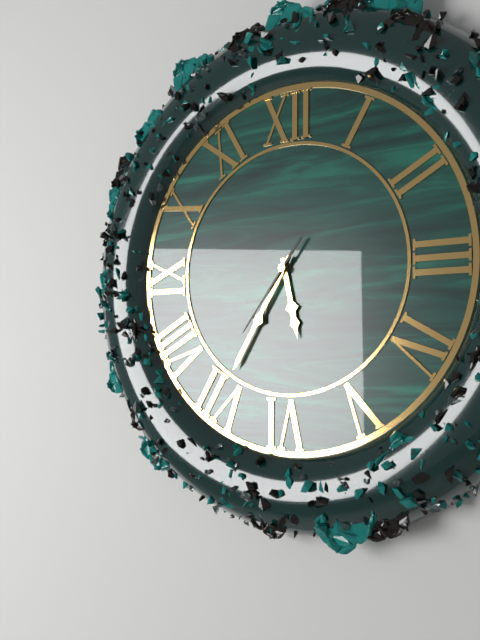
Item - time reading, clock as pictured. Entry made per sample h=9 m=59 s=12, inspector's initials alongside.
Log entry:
h=5 m=35 s=36
